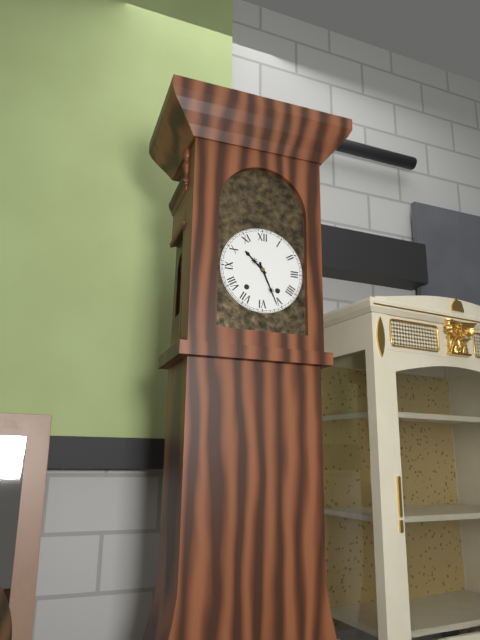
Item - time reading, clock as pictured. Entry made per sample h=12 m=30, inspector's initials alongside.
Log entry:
h=10 m=26
